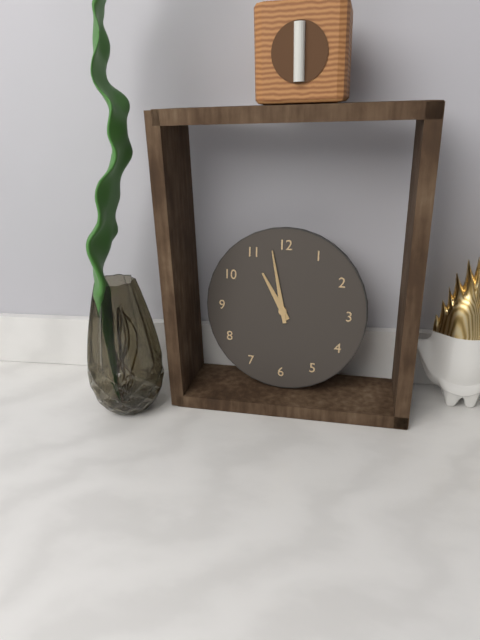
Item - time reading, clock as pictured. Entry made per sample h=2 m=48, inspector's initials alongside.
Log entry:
h=10 m=58
